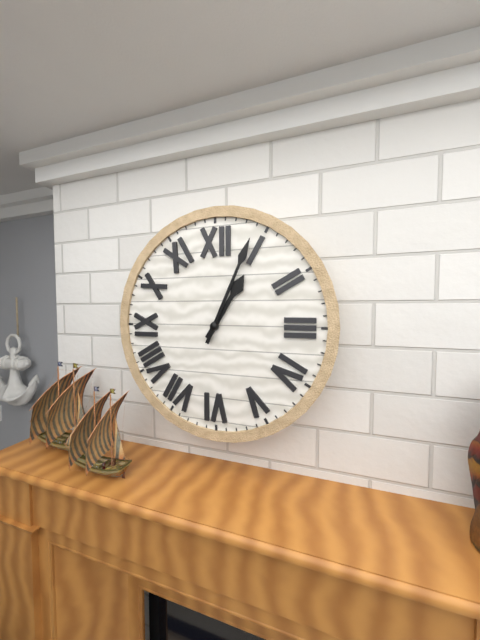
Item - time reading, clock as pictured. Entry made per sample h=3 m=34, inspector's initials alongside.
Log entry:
h=1 m=4
